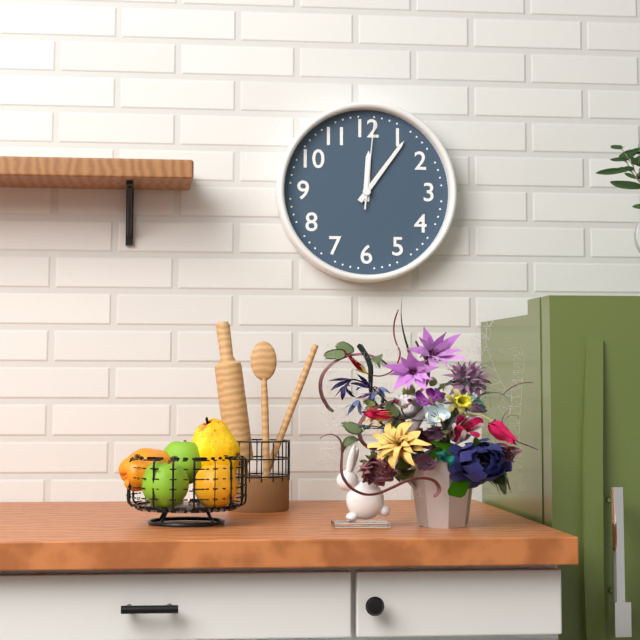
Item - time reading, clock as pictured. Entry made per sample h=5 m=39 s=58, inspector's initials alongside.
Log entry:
h=12 m=6 s=1
